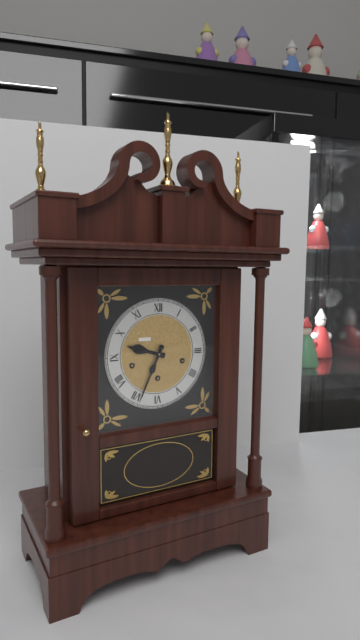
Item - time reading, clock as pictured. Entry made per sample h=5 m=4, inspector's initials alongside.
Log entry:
h=9 m=34
